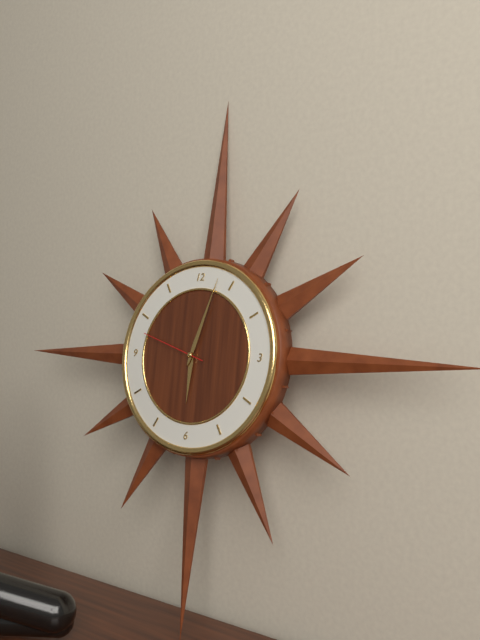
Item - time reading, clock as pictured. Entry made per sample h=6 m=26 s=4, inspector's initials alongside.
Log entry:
h=6 m=3 s=48
